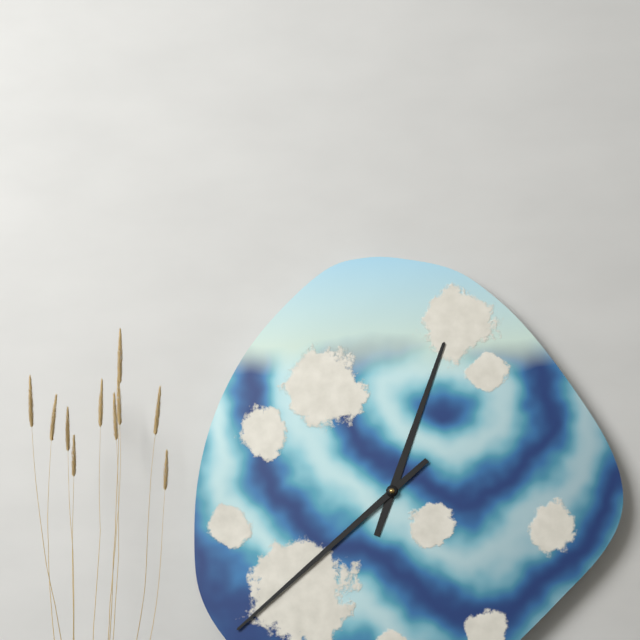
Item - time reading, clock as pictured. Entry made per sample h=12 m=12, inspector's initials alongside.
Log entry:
h=12 m=38
